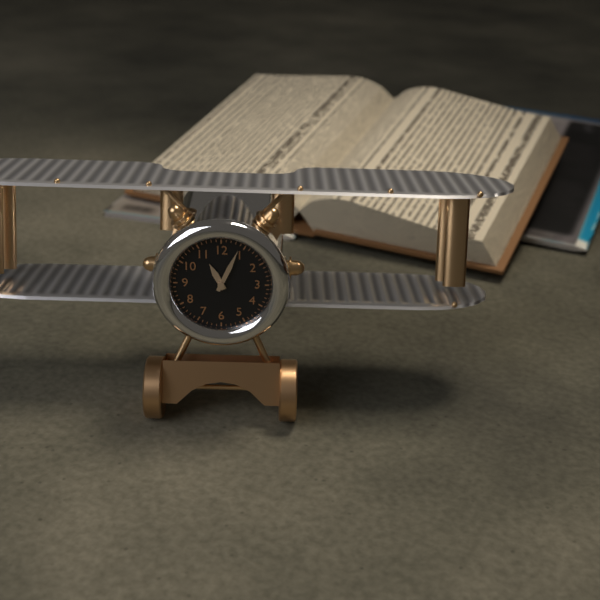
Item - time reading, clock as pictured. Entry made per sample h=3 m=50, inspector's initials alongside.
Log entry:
h=11 m=4
